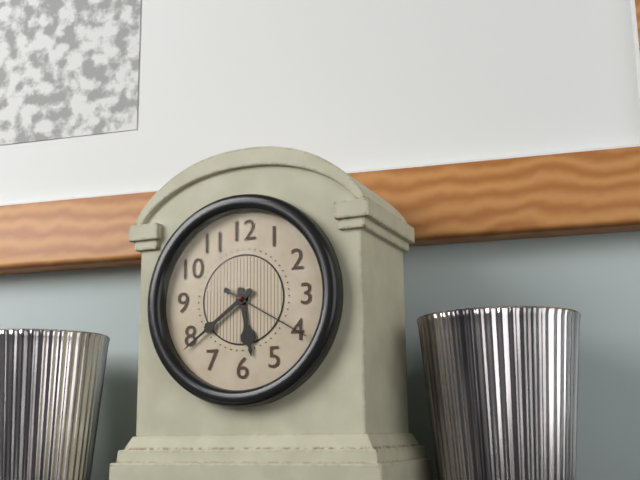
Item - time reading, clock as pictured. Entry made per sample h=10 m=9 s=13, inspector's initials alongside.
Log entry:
h=5 m=39 s=20
